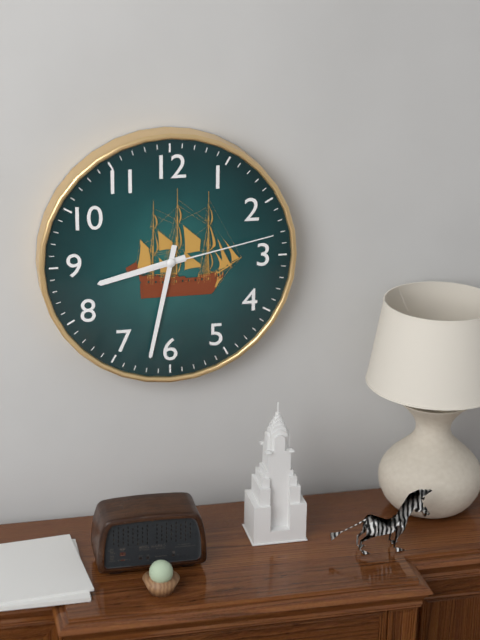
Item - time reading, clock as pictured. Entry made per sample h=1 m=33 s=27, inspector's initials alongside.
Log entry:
h=8 m=32 s=13
